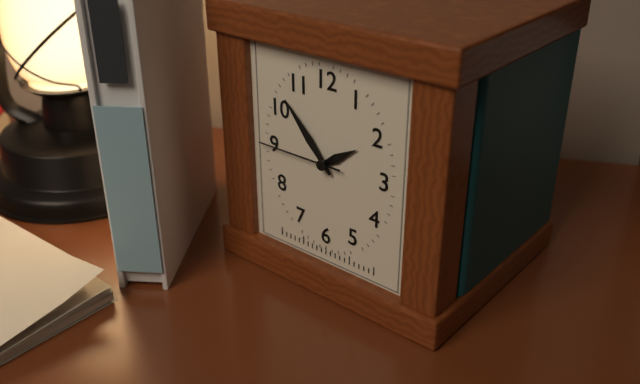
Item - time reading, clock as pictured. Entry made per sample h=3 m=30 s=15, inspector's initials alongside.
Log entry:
h=1 m=53 s=45
